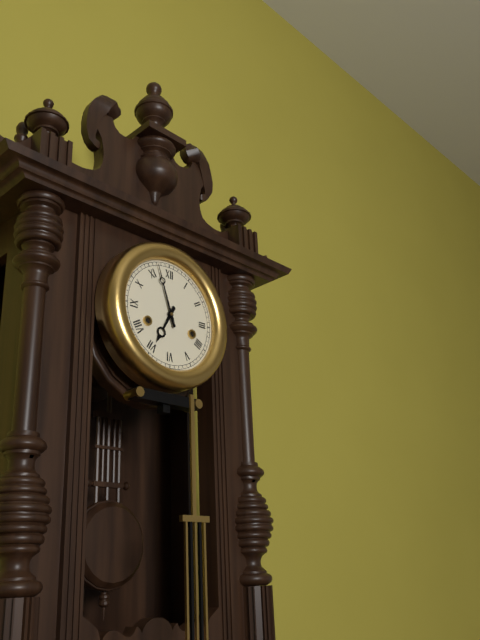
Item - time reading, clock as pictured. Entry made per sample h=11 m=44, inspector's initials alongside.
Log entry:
h=6 m=57
